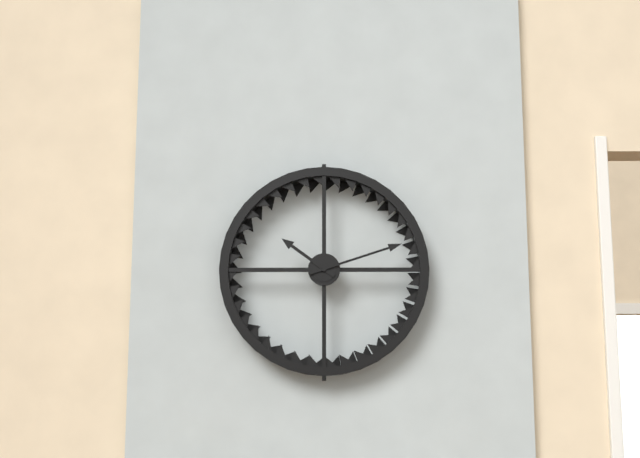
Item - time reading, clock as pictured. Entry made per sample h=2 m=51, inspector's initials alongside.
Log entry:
h=10 m=12
